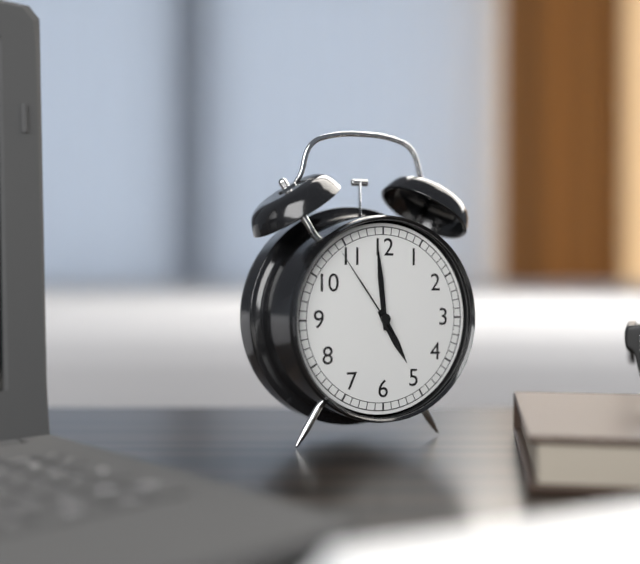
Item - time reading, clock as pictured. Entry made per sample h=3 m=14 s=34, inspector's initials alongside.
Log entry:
h=4 m=59 s=54
